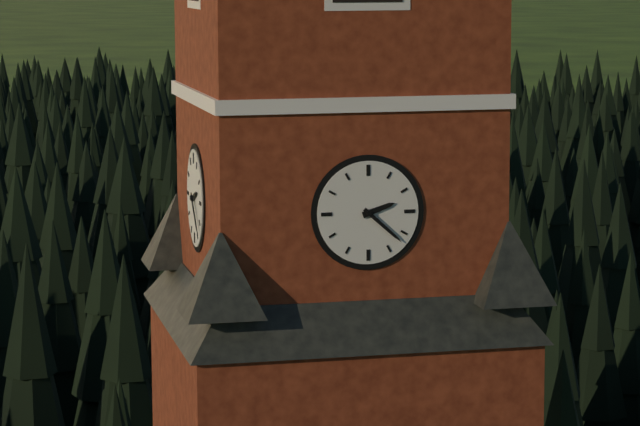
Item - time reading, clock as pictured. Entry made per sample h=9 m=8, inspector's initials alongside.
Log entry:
h=2 m=22
